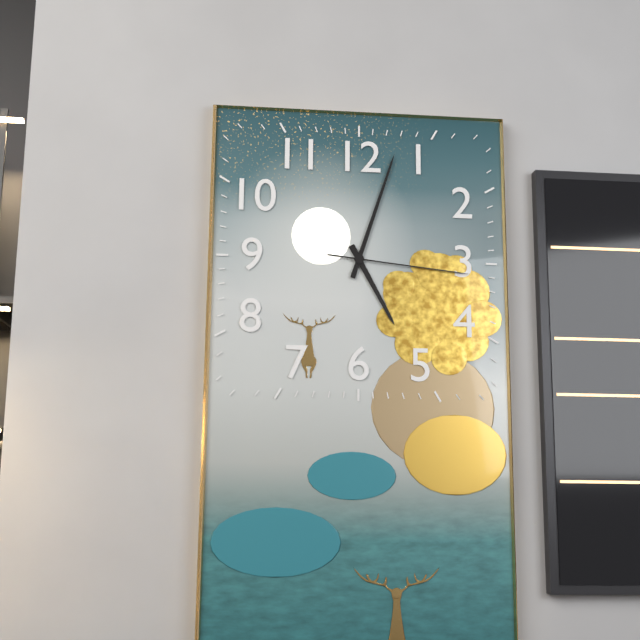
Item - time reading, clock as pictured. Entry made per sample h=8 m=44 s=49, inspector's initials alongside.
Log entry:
h=5 m=3 s=16
